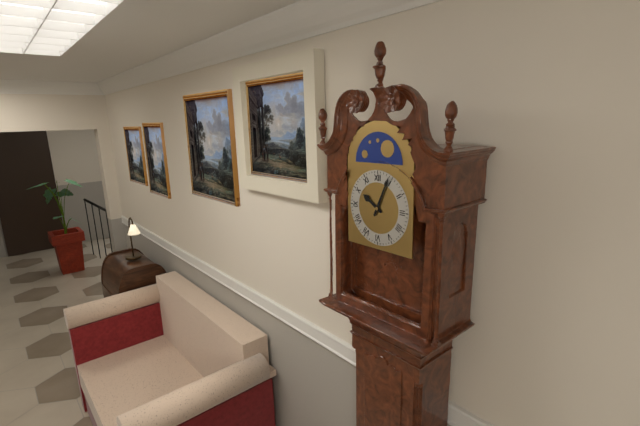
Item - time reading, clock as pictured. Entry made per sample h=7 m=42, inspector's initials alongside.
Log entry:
h=10 m=4
